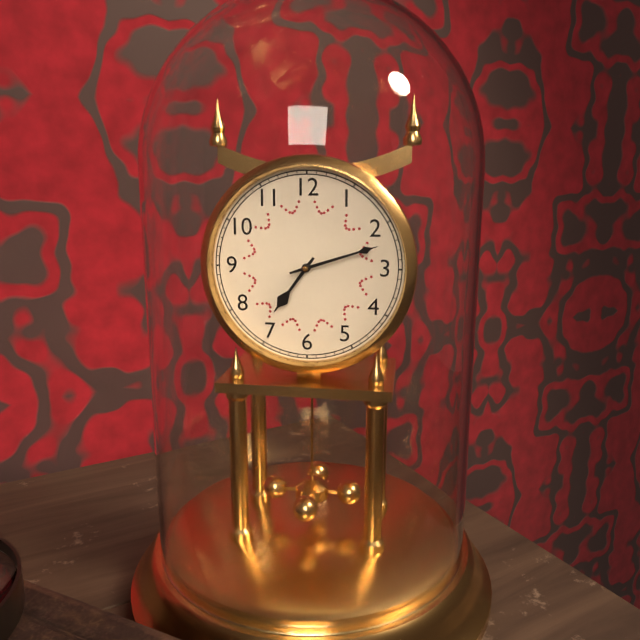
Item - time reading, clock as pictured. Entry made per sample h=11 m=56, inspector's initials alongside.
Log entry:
h=7 m=12
